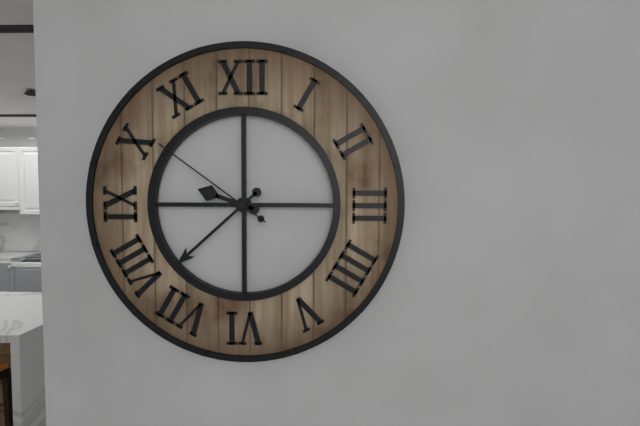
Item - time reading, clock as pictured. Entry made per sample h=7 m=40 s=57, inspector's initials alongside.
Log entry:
h=9 m=38 s=51
